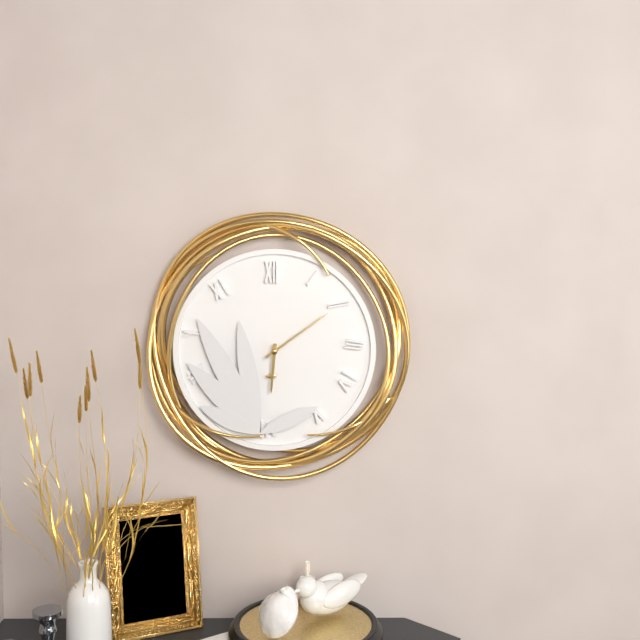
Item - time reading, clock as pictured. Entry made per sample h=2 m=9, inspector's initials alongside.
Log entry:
h=6 m=9
